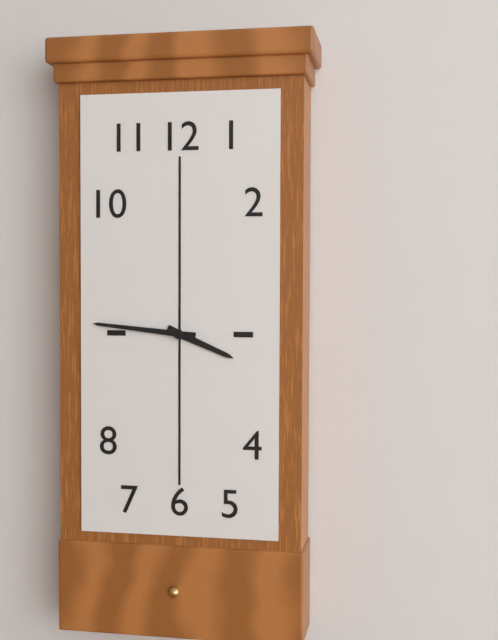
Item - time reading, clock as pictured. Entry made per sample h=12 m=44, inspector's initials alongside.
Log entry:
h=3 m=46
